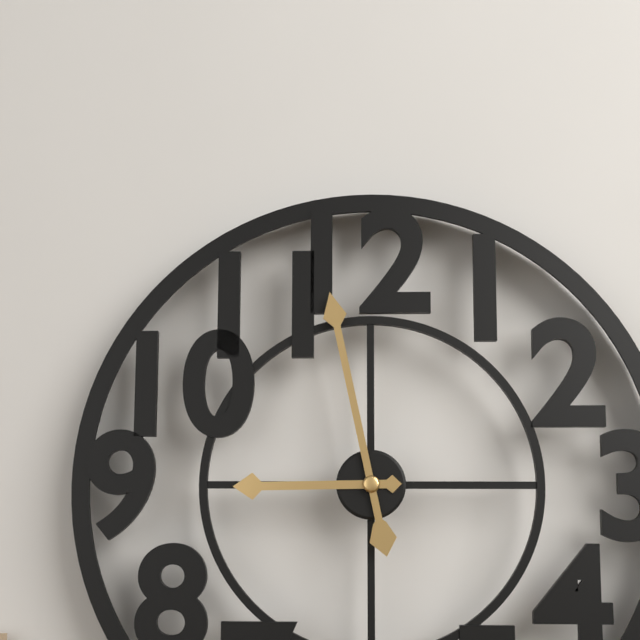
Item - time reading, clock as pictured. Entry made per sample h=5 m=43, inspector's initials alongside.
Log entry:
h=8 m=58
